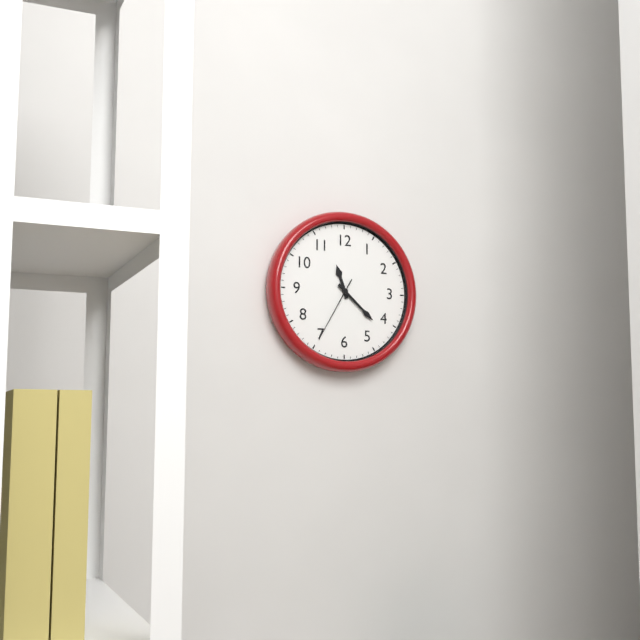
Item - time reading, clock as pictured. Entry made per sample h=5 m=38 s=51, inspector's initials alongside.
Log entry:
h=11 m=22 s=35
